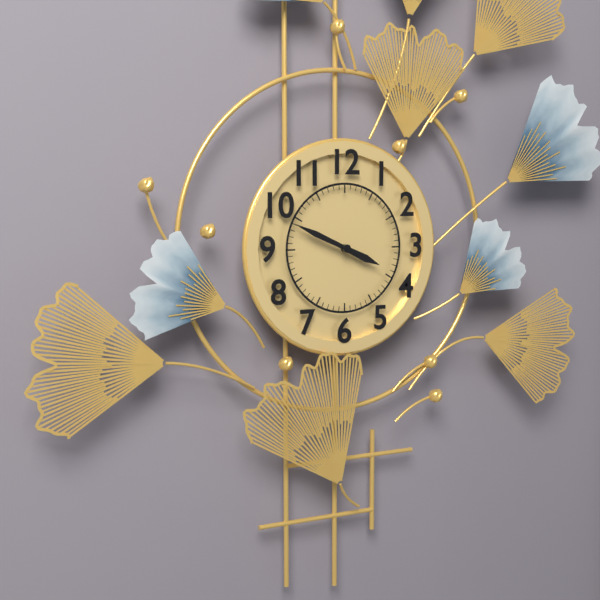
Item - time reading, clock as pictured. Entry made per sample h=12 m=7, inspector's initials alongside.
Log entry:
h=3 m=49
